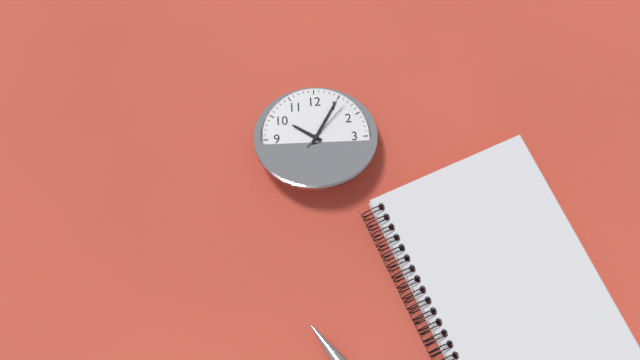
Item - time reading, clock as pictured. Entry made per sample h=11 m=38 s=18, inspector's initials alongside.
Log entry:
h=10 m=5 s=7
